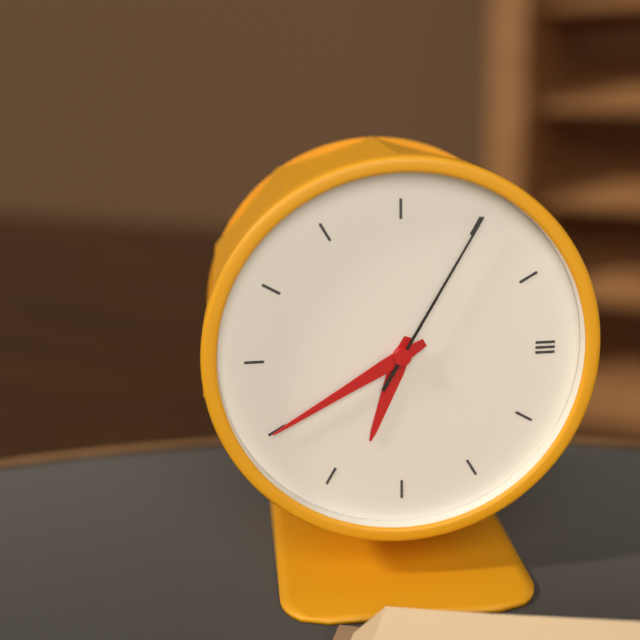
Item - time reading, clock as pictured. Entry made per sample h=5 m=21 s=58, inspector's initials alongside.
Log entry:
h=6 m=40 s=5
